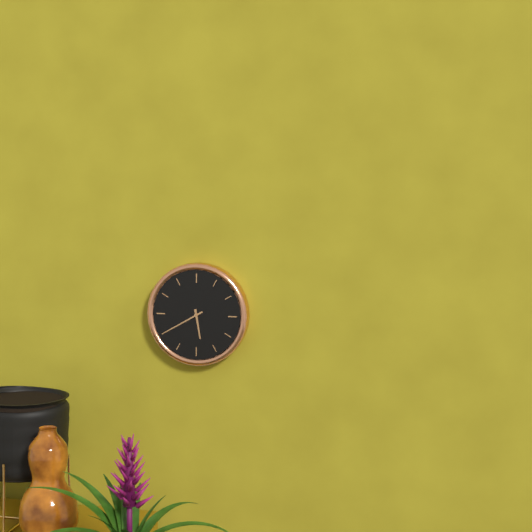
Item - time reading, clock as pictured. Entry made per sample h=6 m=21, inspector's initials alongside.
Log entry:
h=5 m=40
